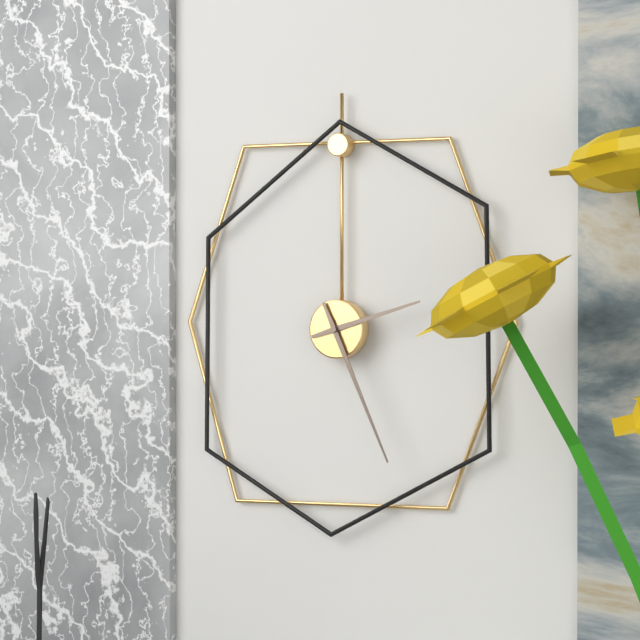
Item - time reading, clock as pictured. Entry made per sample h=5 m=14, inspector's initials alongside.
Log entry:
h=2 m=26
